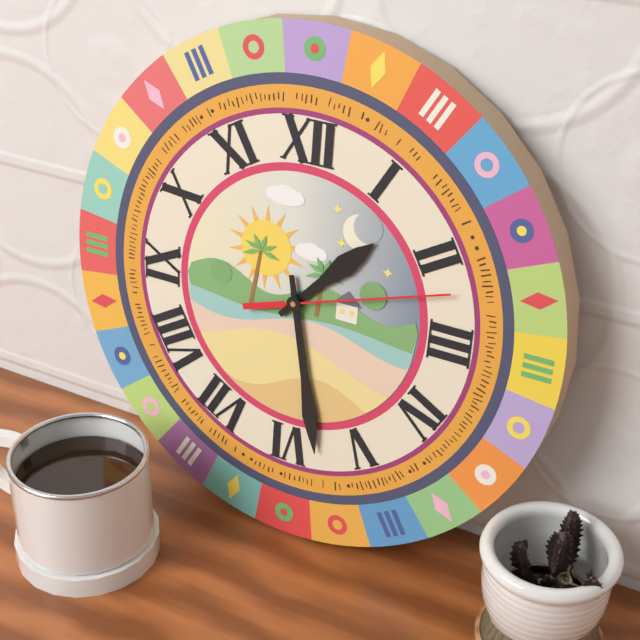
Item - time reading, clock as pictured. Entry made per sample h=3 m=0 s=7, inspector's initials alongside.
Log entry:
h=1 m=28 s=12
